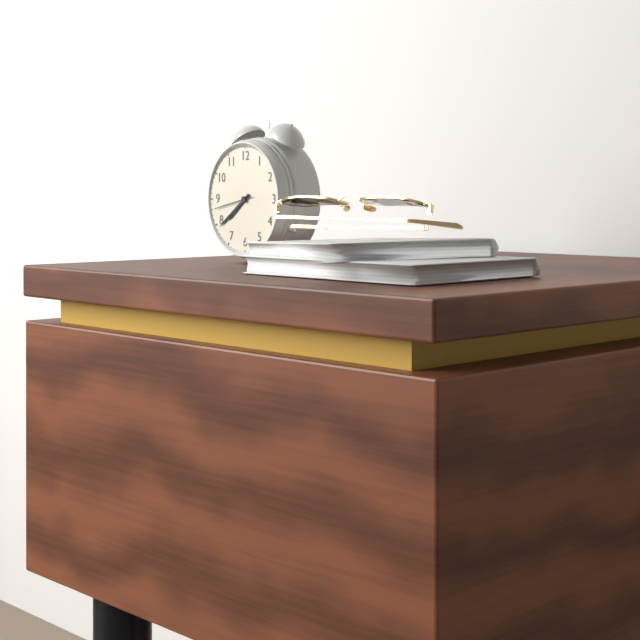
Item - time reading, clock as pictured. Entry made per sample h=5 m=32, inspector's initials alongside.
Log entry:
h=7 m=39
